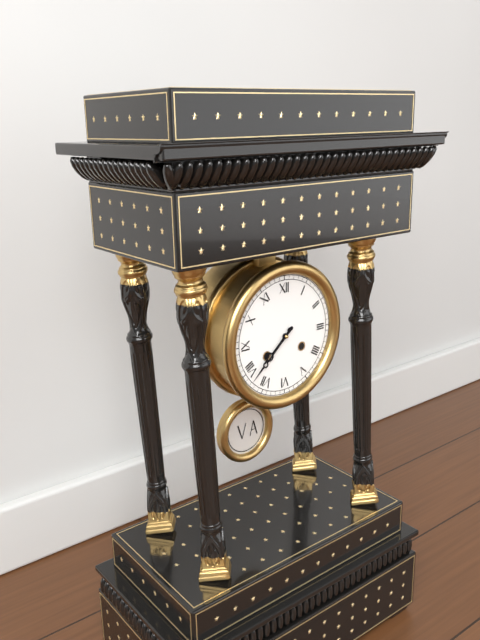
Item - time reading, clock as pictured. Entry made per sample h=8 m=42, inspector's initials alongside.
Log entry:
h=7 m=38
